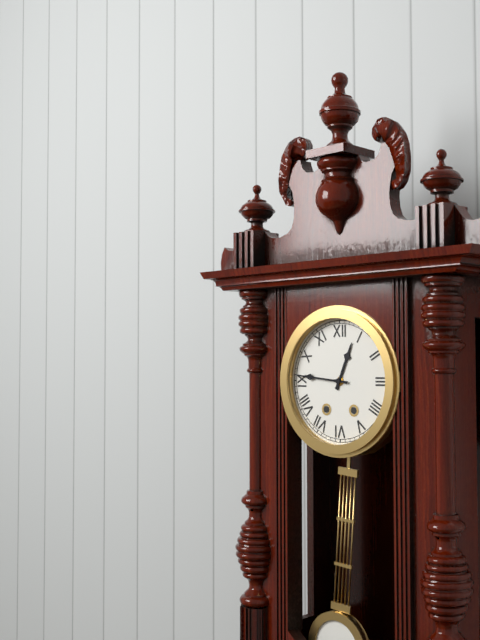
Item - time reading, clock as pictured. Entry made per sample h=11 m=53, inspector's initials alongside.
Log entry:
h=12 m=46
